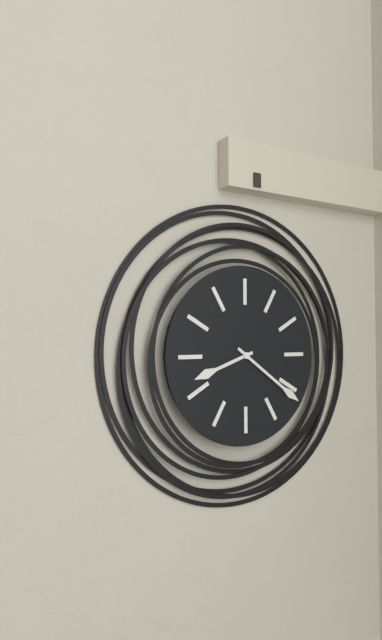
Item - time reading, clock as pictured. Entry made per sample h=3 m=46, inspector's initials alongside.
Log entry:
h=8 m=21
